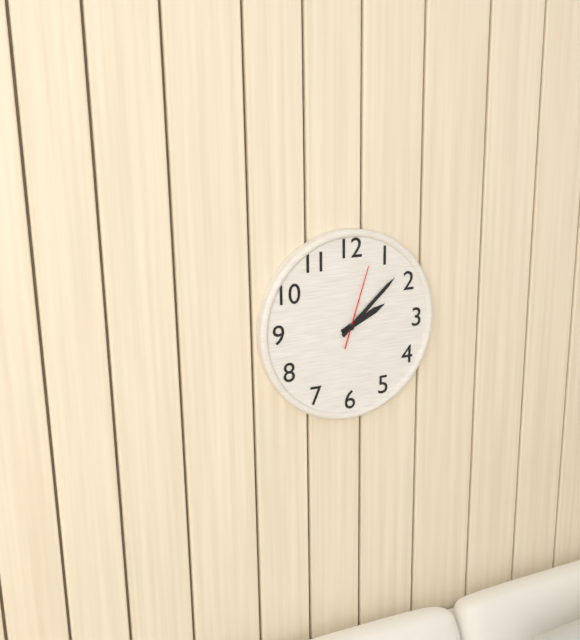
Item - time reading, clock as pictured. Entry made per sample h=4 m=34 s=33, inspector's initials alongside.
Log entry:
h=2 m=8 s=3
